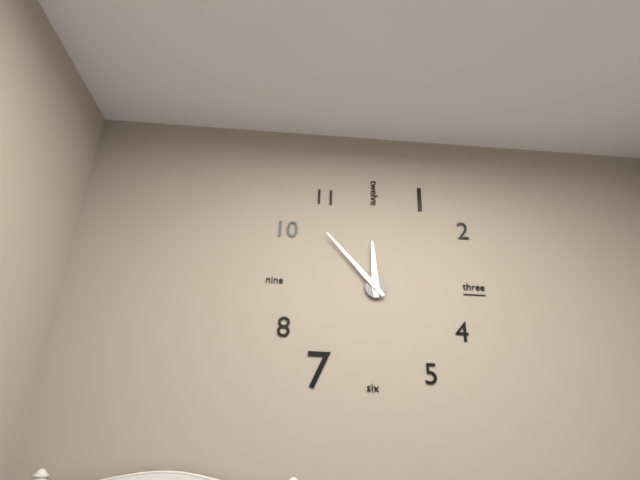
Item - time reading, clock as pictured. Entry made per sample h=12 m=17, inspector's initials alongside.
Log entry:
h=11 m=53
